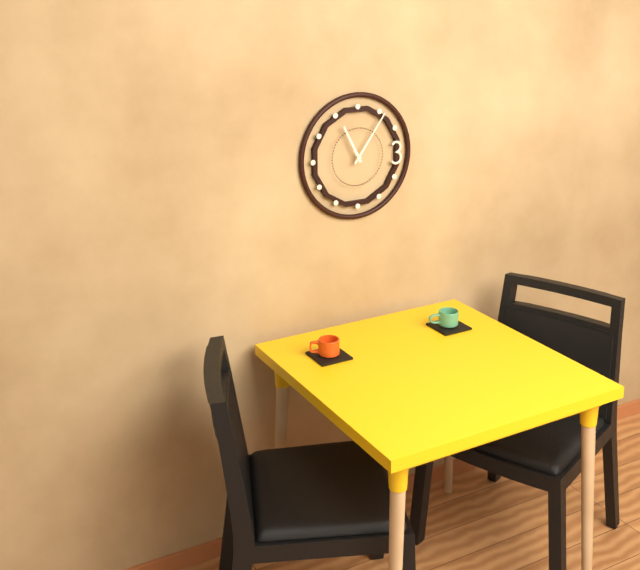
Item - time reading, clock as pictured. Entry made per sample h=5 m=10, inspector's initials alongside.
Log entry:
h=11 m=6
